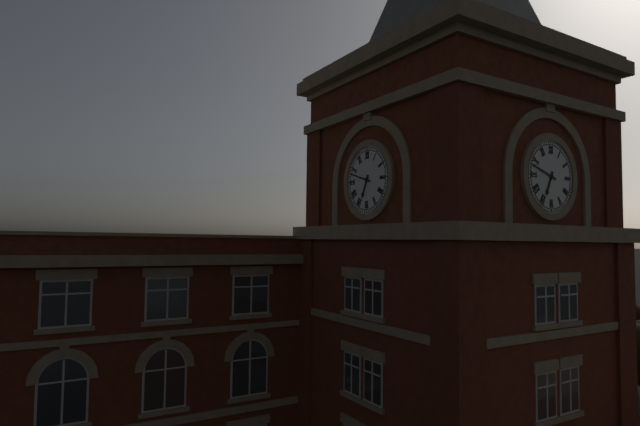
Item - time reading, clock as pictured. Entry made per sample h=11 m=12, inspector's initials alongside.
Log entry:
h=6 m=48
